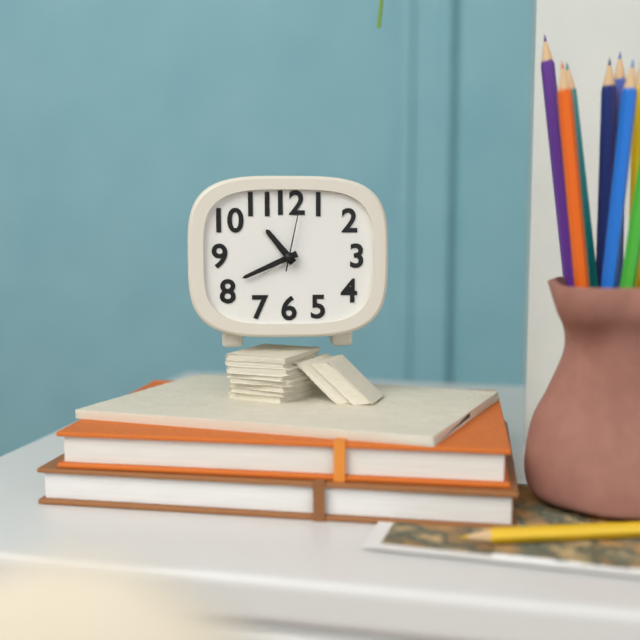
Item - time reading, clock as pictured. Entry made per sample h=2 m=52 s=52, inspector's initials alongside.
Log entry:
h=10 m=41 s=2
